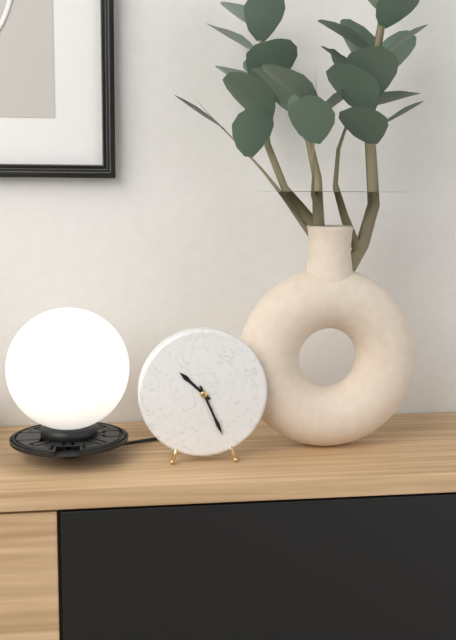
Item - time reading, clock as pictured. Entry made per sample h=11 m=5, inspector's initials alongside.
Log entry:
h=10 m=26
